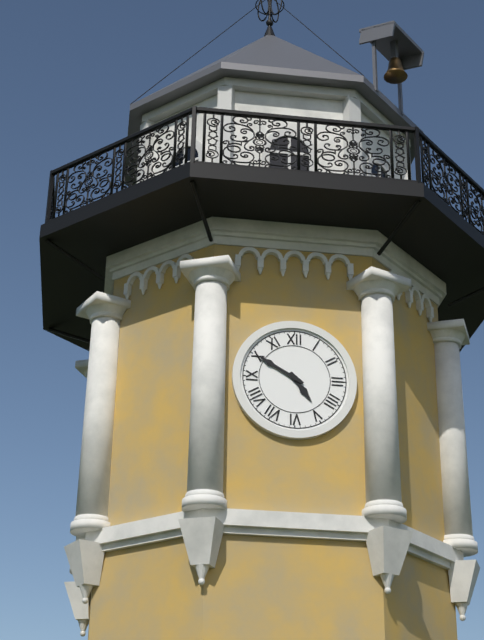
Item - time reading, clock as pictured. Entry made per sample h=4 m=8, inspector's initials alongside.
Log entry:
h=4 m=50
